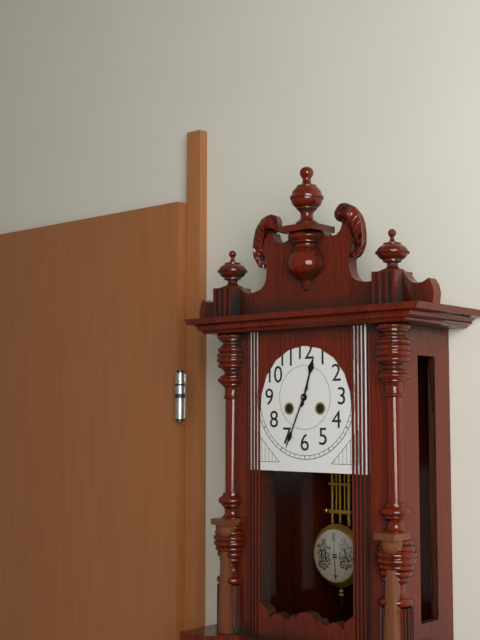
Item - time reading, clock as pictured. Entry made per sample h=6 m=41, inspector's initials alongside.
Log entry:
h=12 m=34
